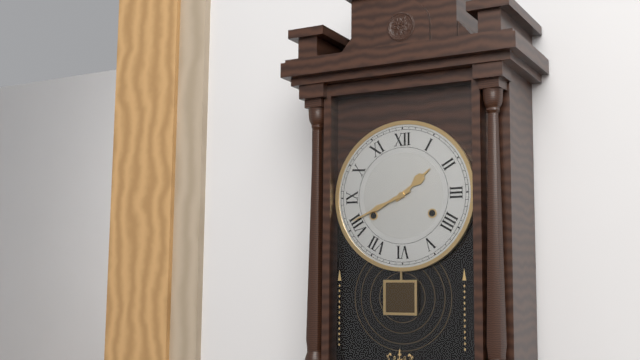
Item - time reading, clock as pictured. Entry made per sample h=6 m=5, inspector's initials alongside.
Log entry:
h=1 m=41
